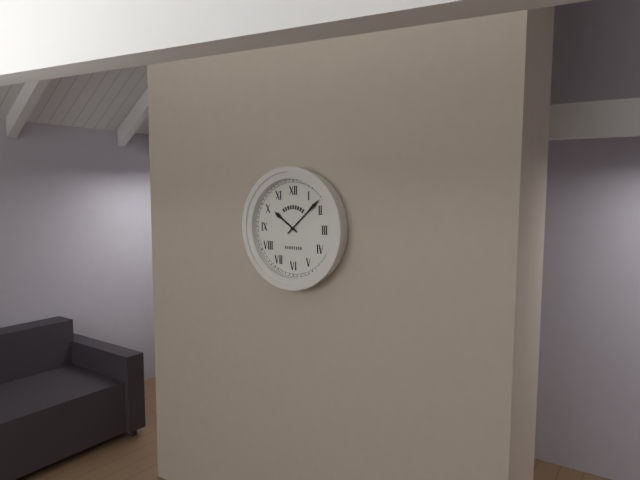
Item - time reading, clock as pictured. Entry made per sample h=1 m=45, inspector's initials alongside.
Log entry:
h=10 m=8
